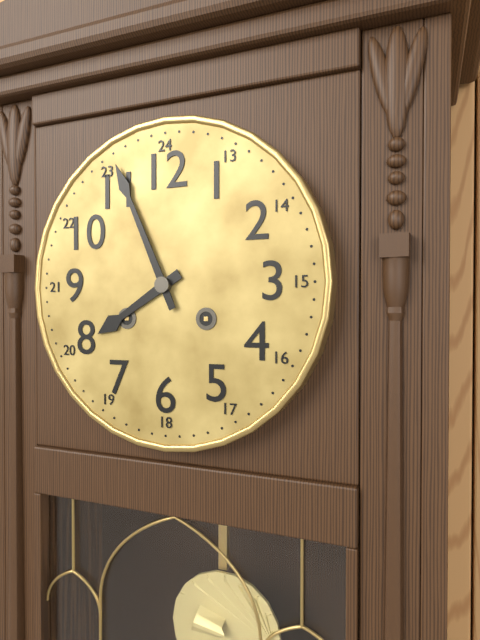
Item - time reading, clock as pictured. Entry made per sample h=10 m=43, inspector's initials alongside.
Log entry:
h=7 m=56
